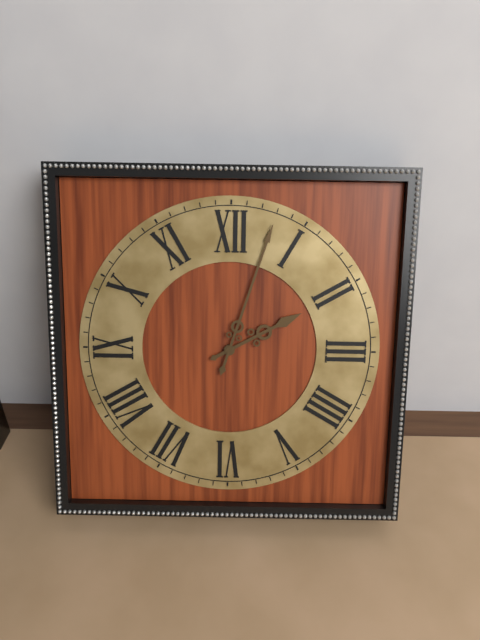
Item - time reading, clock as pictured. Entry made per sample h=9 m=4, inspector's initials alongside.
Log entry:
h=2 m=3
